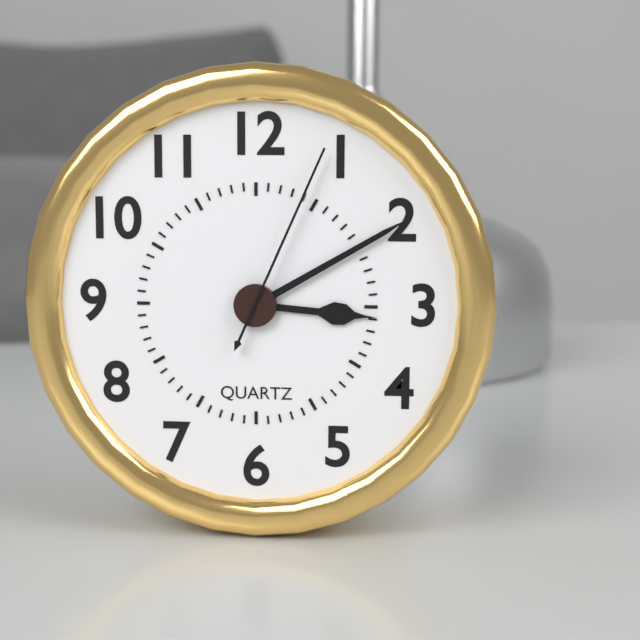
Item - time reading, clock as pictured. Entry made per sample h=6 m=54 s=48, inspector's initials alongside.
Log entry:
h=3 m=10 s=4
